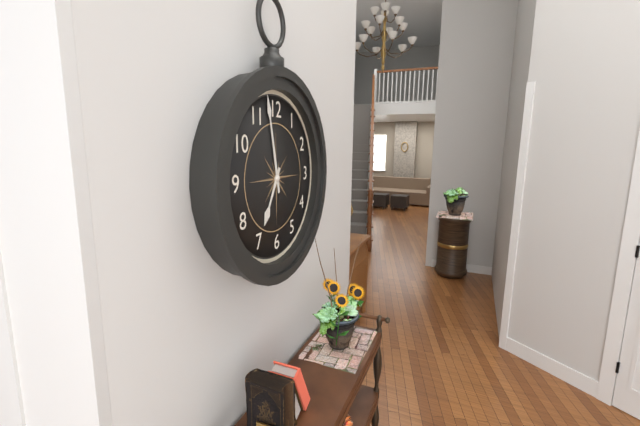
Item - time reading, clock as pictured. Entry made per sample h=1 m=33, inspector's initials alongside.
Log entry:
h=6 m=58
